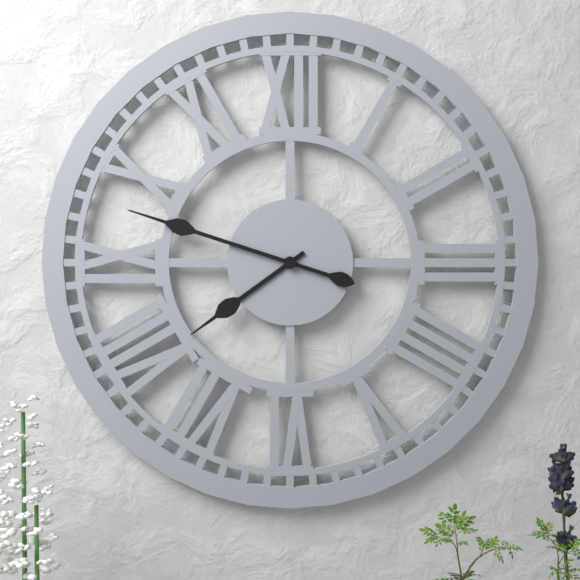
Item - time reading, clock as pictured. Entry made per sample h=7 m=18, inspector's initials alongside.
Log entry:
h=7 m=48
